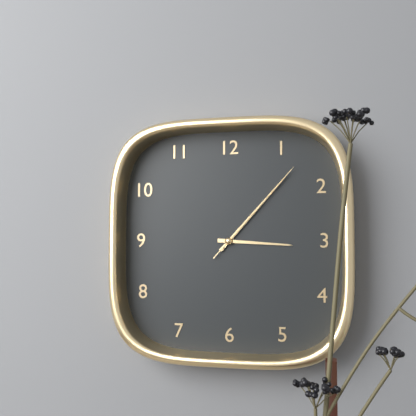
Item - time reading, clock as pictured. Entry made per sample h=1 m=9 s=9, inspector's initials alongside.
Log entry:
h=3 m=7 s=7
